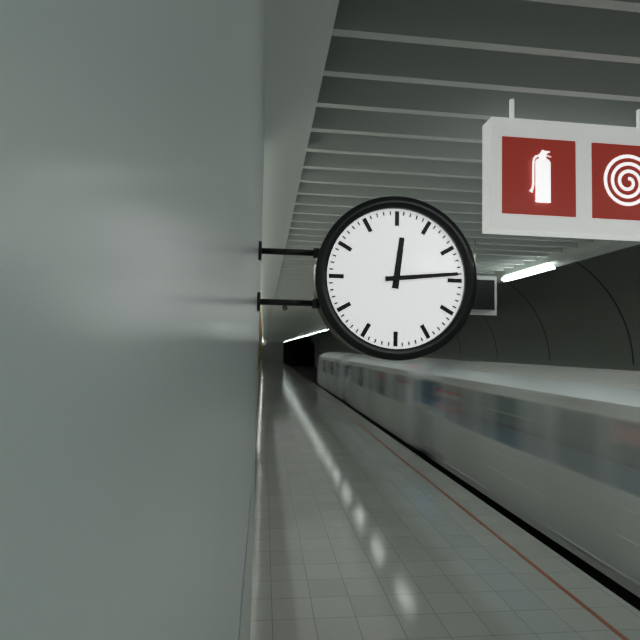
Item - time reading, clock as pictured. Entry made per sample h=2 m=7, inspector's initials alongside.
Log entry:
h=12 m=14
